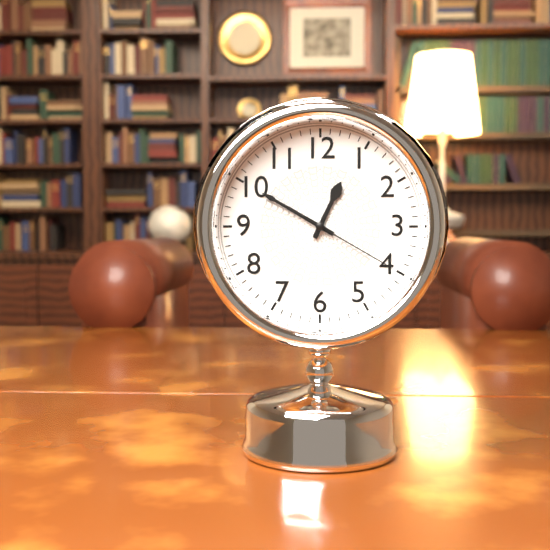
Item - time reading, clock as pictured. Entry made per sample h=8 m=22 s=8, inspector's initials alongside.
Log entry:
h=12 m=50 s=20
